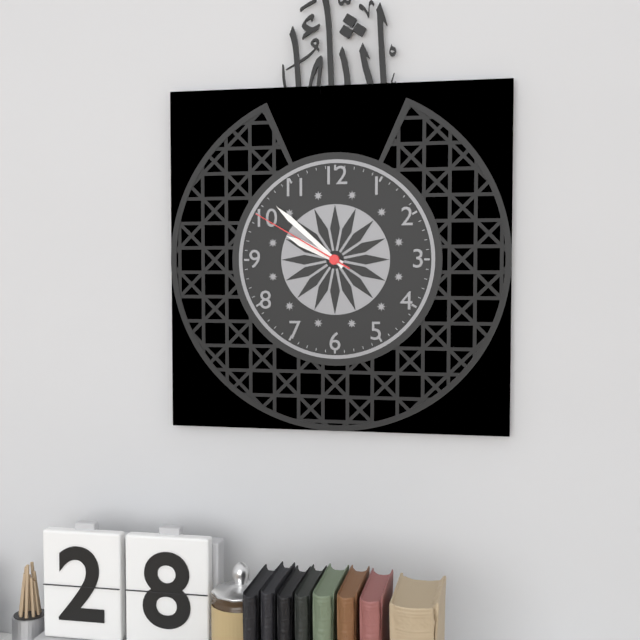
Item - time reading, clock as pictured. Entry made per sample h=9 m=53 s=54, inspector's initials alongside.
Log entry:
h=9 m=52 s=50
